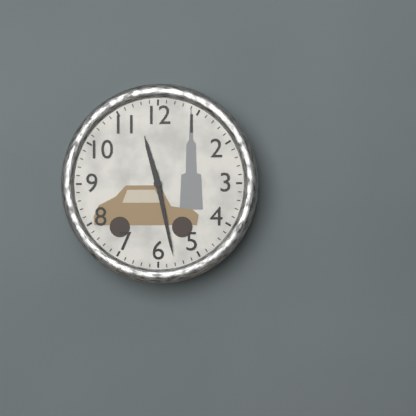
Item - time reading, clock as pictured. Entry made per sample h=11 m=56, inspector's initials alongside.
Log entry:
h=11 m=28
